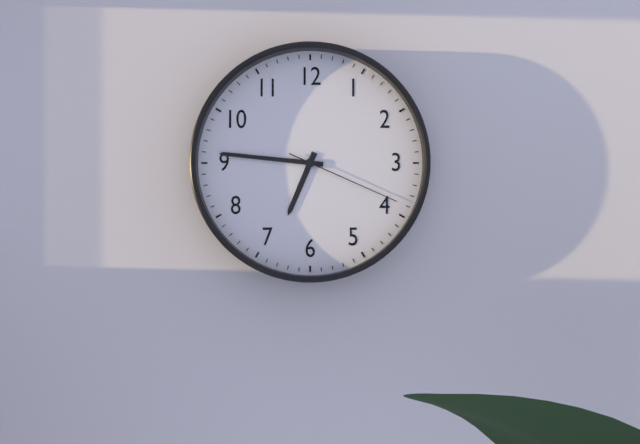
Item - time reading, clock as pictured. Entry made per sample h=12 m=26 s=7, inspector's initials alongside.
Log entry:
h=6 m=46 s=19
